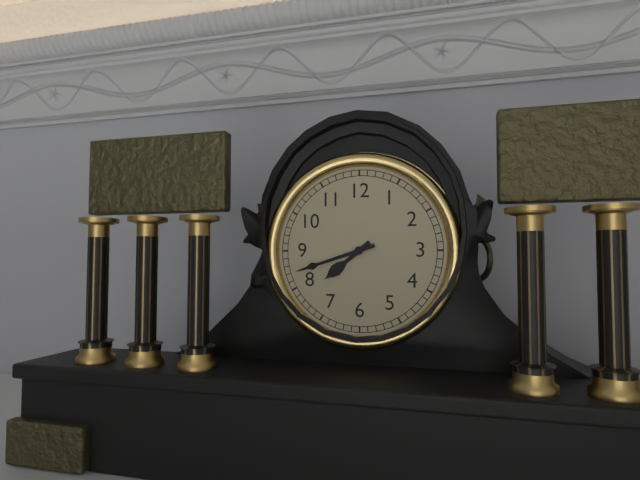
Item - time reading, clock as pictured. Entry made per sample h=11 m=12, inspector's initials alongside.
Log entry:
h=7 m=42
